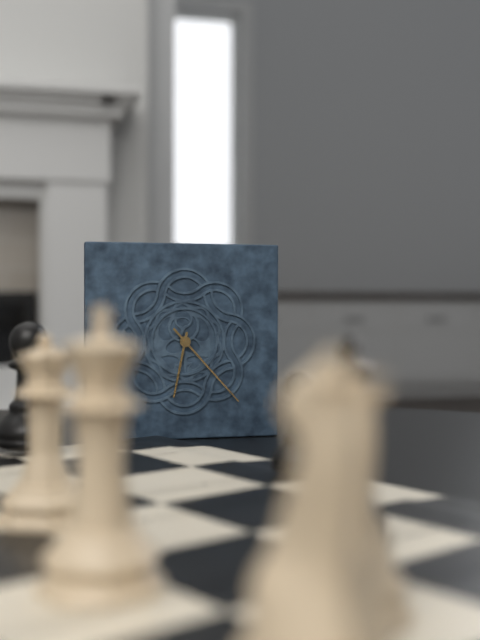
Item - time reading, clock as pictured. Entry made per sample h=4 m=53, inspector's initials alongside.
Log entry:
h=6 m=23
